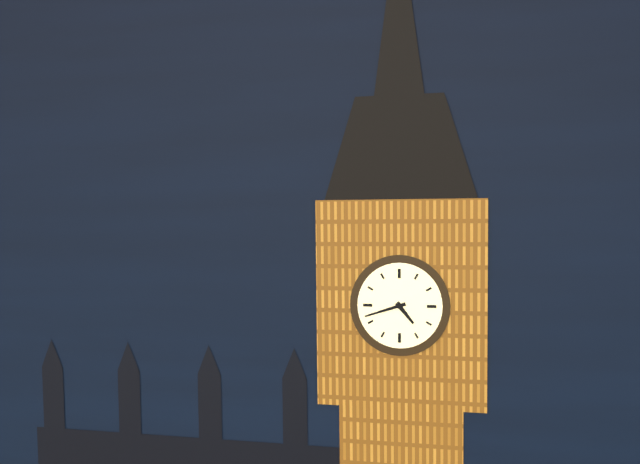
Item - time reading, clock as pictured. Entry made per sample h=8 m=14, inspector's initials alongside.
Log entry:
h=4 m=42
